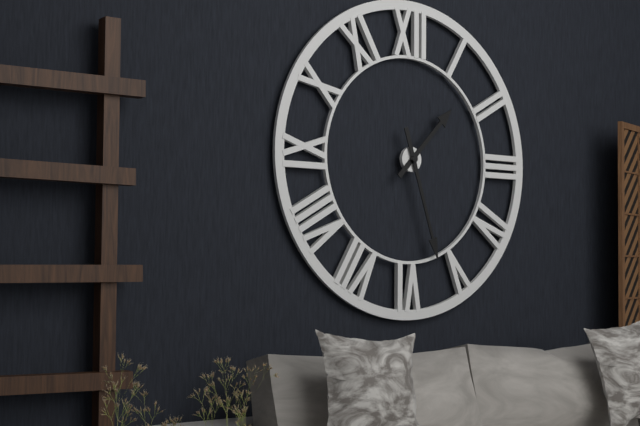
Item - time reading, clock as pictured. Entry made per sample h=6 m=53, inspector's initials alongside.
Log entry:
h=1 m=27
